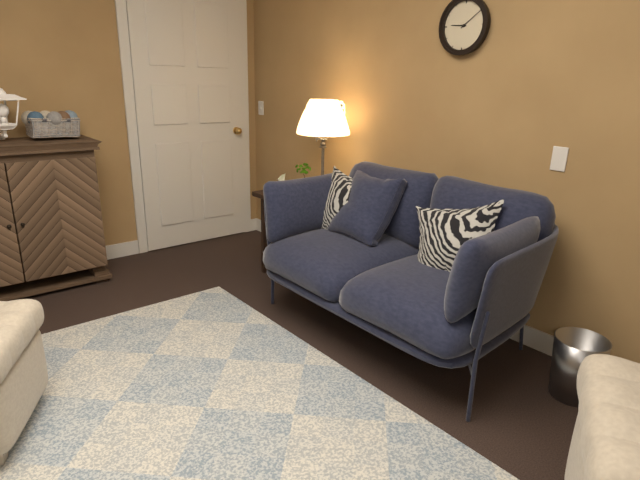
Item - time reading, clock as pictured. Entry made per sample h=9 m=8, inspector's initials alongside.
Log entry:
h=9 m=9
